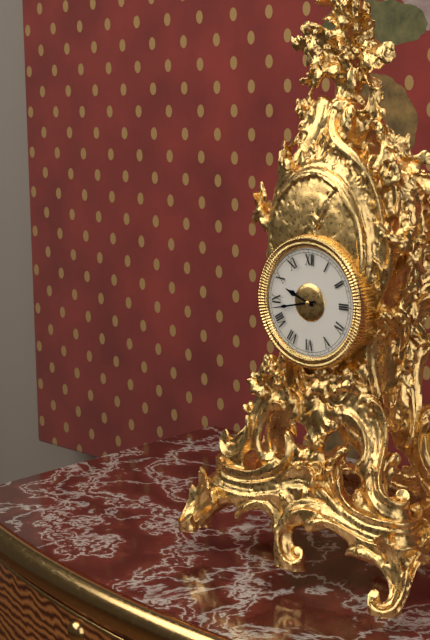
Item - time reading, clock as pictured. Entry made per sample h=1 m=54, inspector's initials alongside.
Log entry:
h=9 m=43
